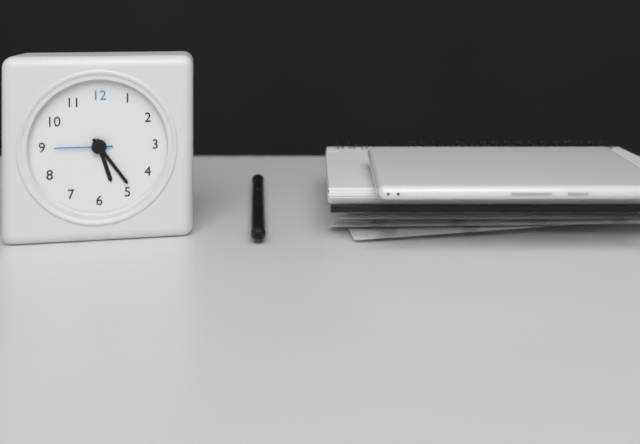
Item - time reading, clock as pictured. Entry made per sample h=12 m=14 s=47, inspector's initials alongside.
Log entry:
h=5 m=24 s=45
